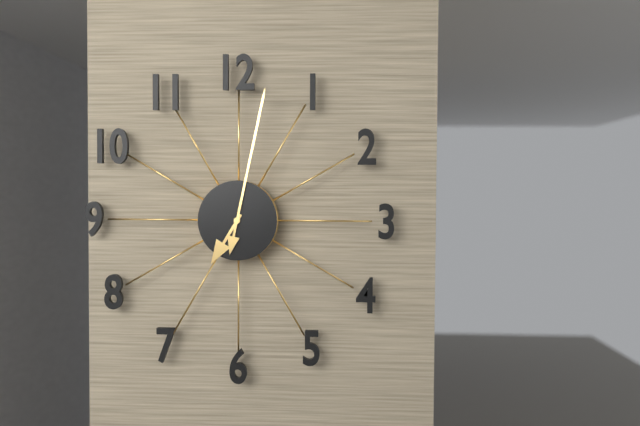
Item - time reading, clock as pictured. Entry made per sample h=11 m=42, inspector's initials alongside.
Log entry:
h=7 m=2
